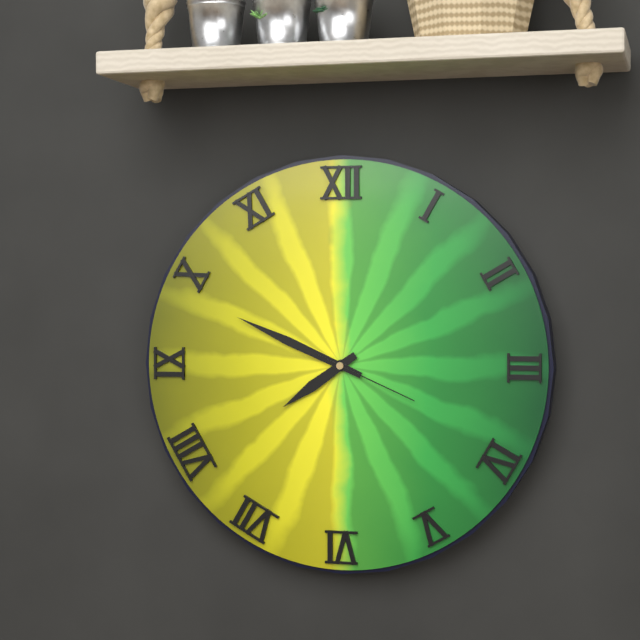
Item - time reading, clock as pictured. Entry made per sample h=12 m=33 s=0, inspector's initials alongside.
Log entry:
h=7 m=49 s=19
